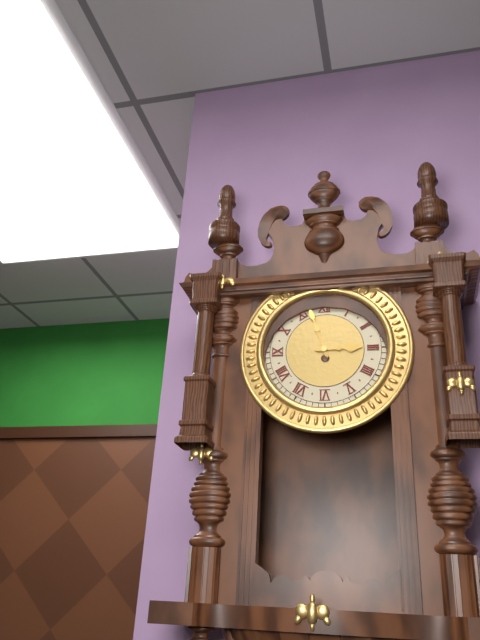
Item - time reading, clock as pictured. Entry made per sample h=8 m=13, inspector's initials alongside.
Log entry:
h=2 m=57
